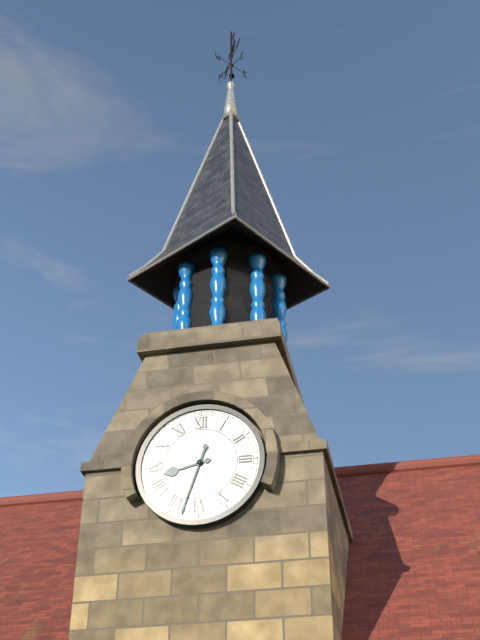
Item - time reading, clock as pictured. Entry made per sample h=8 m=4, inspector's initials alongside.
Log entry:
h=8 m=33
